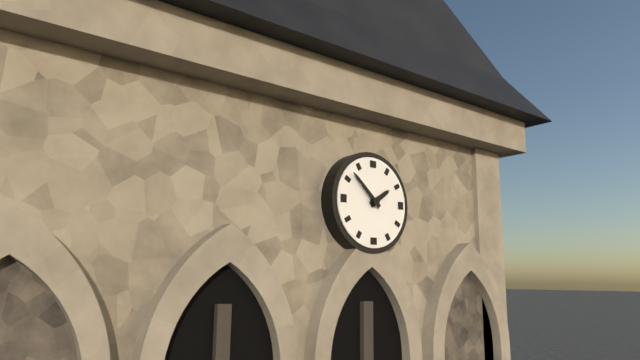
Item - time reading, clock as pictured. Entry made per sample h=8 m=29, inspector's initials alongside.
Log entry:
h=1 m=52
